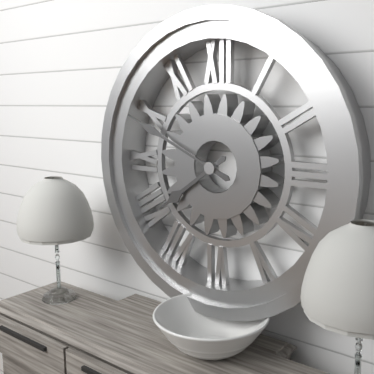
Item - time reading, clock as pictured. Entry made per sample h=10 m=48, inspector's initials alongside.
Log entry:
h=7 m=49
